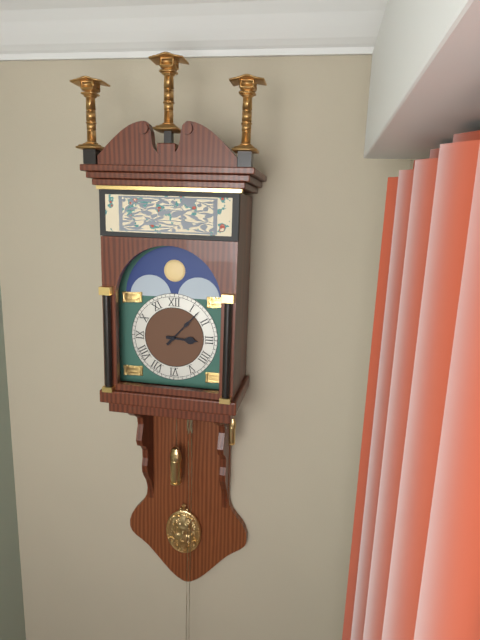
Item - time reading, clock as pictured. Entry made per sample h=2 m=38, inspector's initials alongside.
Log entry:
h=3 m=7
